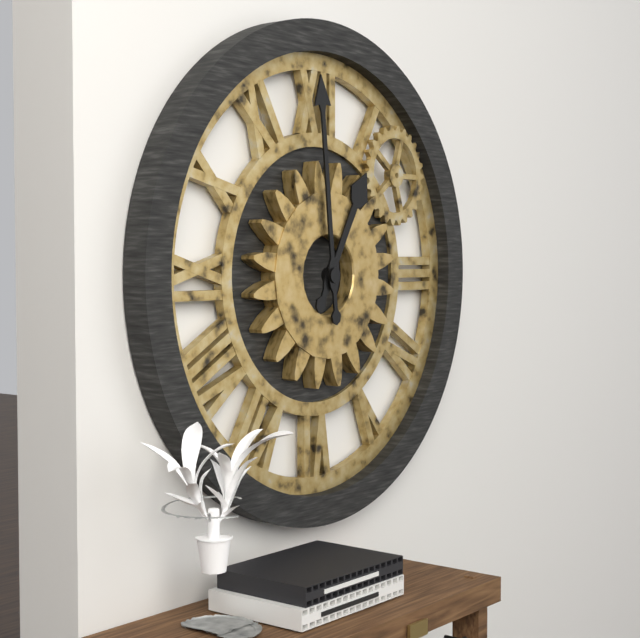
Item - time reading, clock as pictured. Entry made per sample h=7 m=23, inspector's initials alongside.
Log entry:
h=12 m=59
